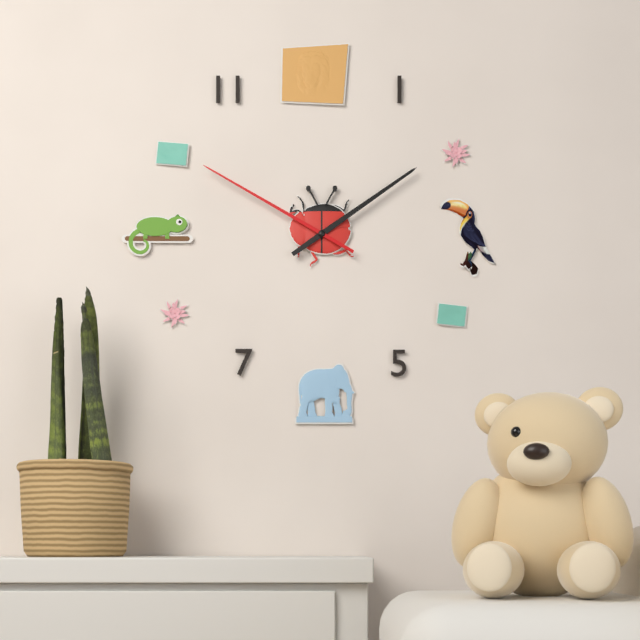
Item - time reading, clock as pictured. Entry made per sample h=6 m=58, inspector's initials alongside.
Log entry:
h=1 m=50
